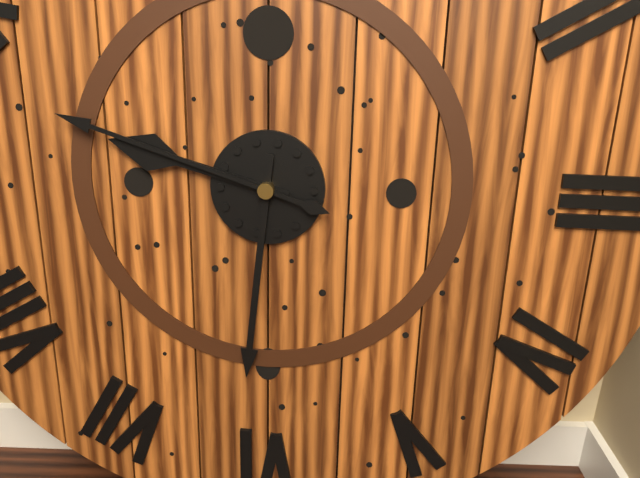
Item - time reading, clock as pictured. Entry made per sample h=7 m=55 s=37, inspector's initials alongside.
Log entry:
h=9 m=31 s=48
